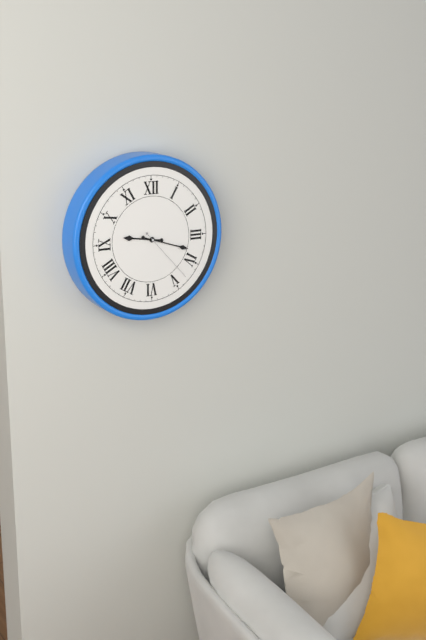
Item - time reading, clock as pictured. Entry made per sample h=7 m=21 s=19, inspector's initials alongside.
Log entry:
h=9 m=18 s=23
